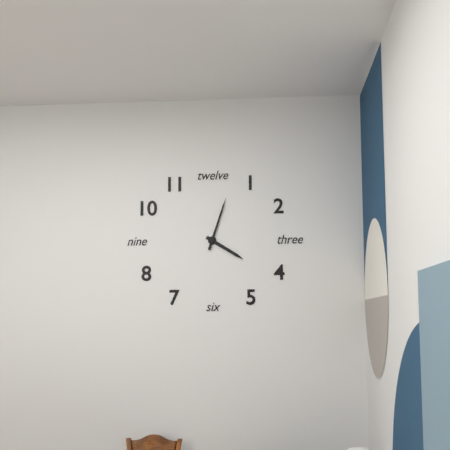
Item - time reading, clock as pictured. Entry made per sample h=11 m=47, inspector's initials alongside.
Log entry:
h=4 m=3
